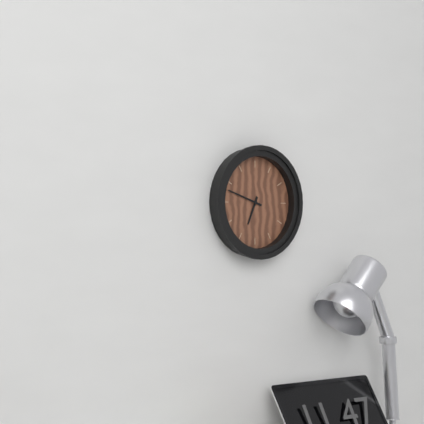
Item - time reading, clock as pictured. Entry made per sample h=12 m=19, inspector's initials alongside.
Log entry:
h=6 m=48
